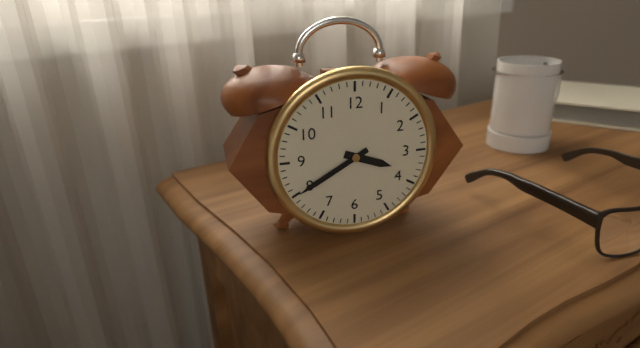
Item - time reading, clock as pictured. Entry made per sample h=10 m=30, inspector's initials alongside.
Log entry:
h=3 m=40
